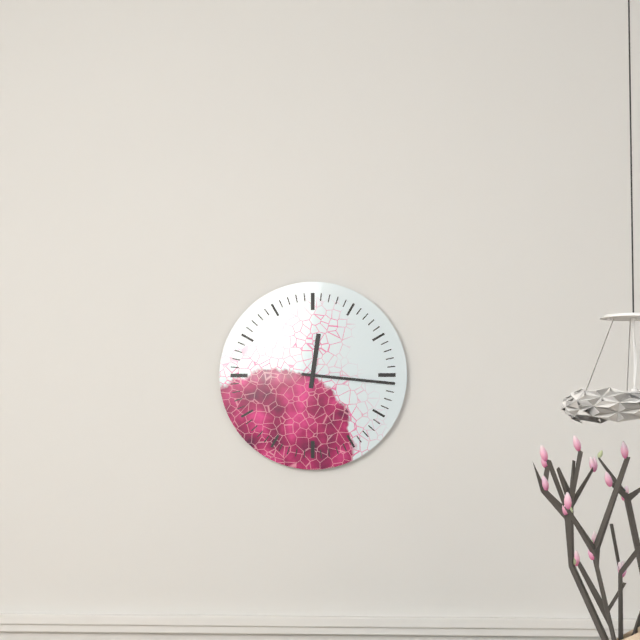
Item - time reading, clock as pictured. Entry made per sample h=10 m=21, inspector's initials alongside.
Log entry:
h=12 m=16
